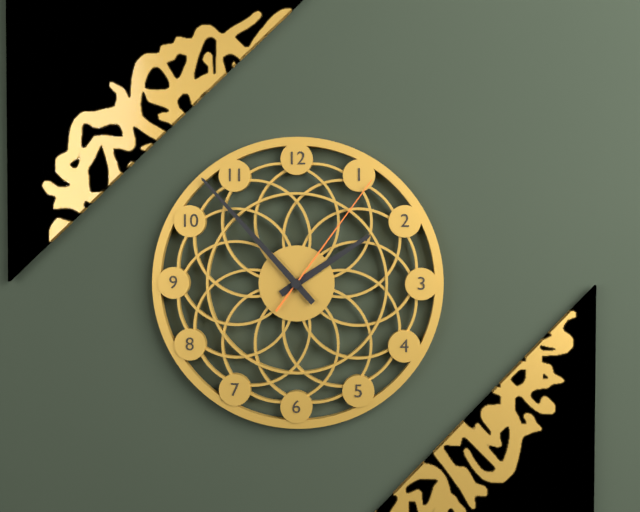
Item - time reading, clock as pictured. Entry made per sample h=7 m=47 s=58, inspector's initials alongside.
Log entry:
h=1 m=53 s=6
